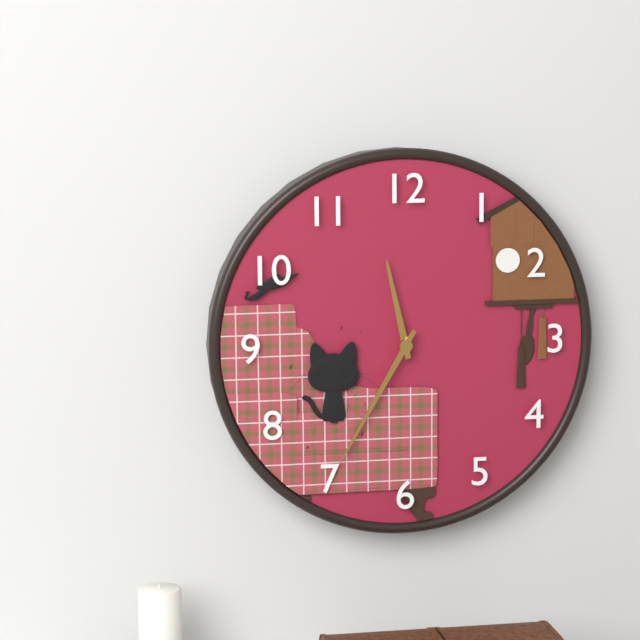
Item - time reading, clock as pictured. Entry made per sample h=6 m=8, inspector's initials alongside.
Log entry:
h=11 m=35
